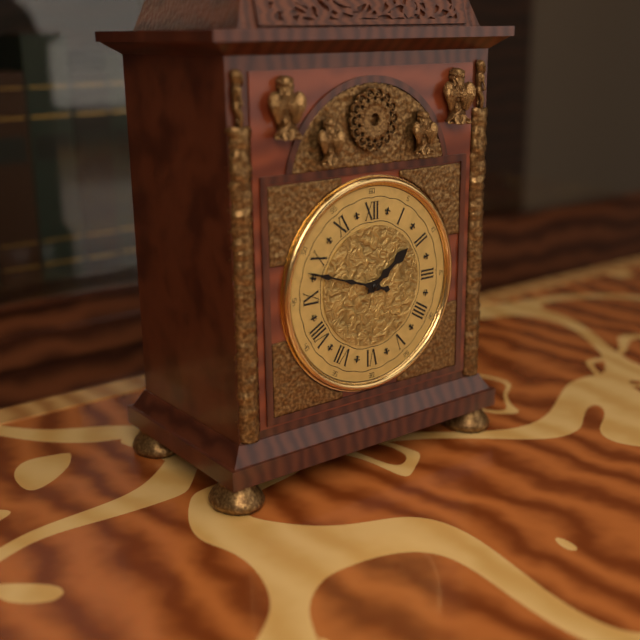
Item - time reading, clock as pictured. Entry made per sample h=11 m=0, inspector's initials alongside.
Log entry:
h=1 m=48
